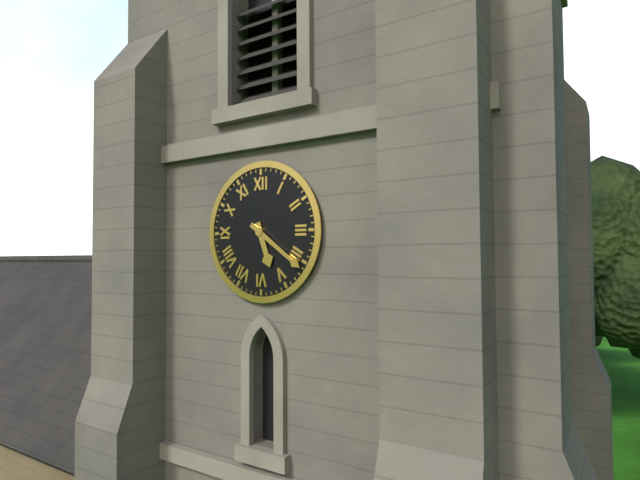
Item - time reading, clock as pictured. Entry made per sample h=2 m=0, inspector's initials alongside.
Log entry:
h=5 m=21
